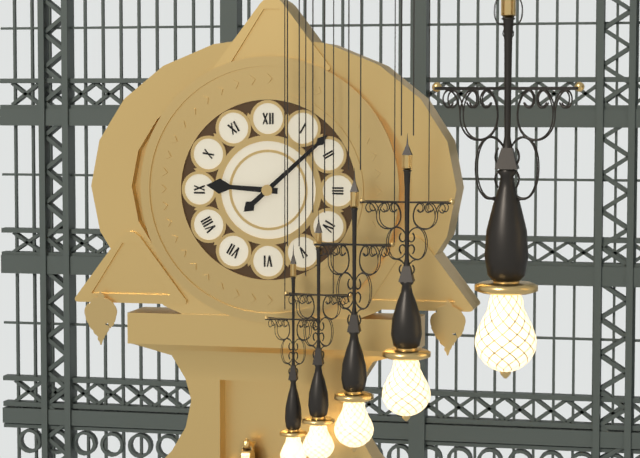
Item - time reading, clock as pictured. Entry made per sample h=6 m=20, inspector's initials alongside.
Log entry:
h=9 m=8
